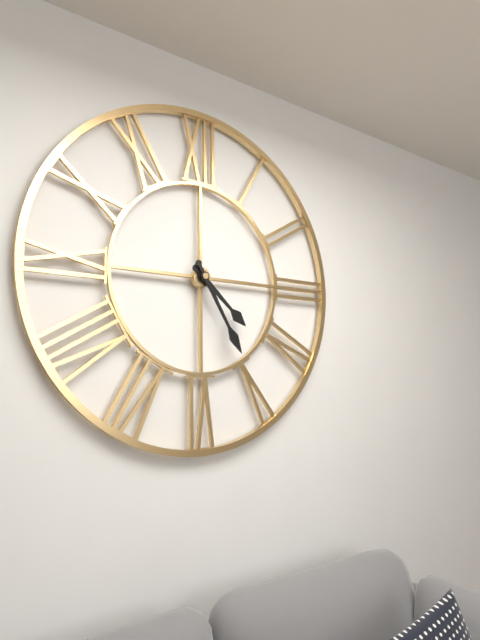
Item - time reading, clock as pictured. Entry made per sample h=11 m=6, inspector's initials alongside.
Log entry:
h=4 m=25
